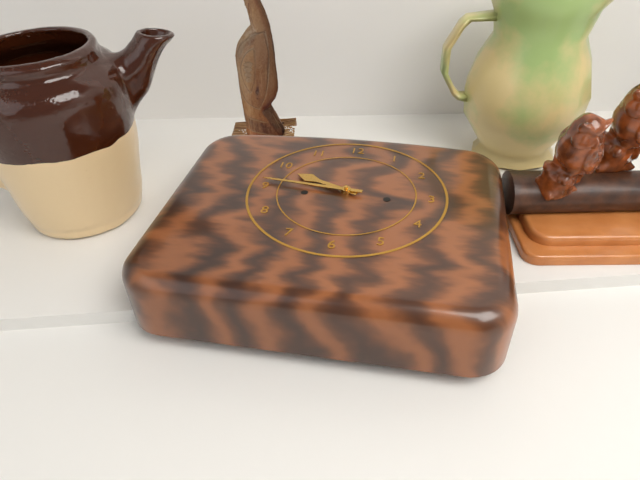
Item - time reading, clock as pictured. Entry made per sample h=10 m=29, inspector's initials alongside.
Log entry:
h=9 m=46
